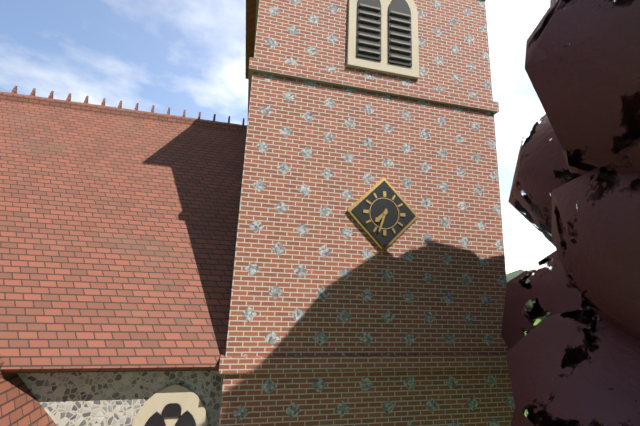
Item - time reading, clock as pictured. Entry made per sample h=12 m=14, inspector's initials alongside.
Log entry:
h=7 m=33
